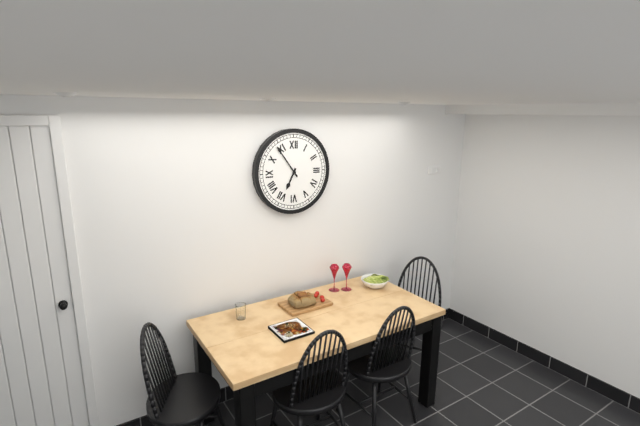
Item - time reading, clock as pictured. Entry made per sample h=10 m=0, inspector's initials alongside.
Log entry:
h=6 m=54
